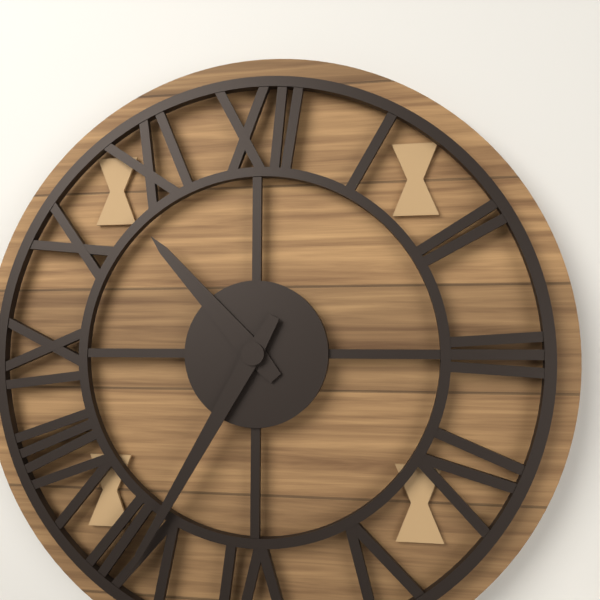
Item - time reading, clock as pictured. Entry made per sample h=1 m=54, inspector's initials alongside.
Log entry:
h=10 m=35
